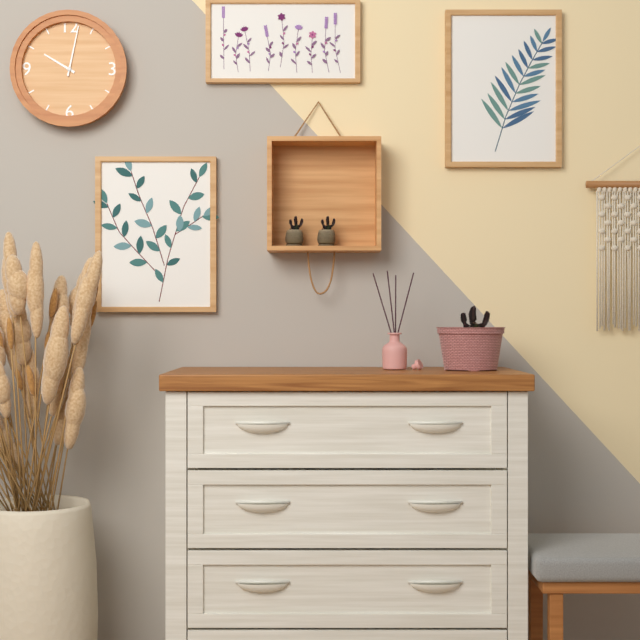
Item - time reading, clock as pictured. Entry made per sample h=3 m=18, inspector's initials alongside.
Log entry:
h=10 m=2
